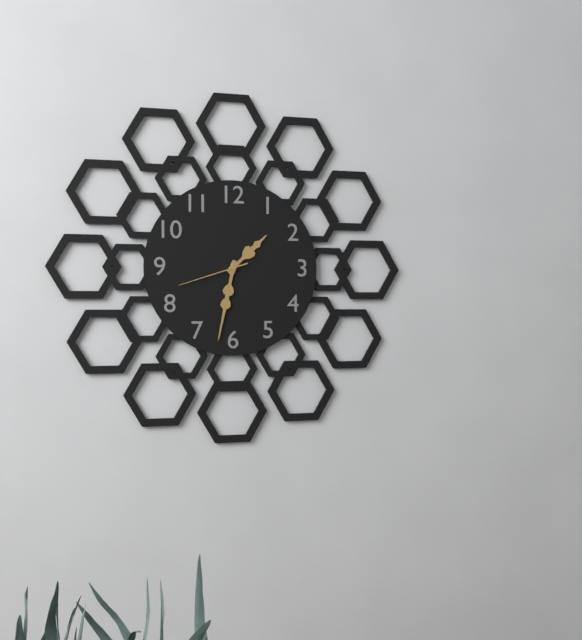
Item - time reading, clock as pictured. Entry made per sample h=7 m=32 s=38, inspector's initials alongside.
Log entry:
h=1 m=32 s=42
